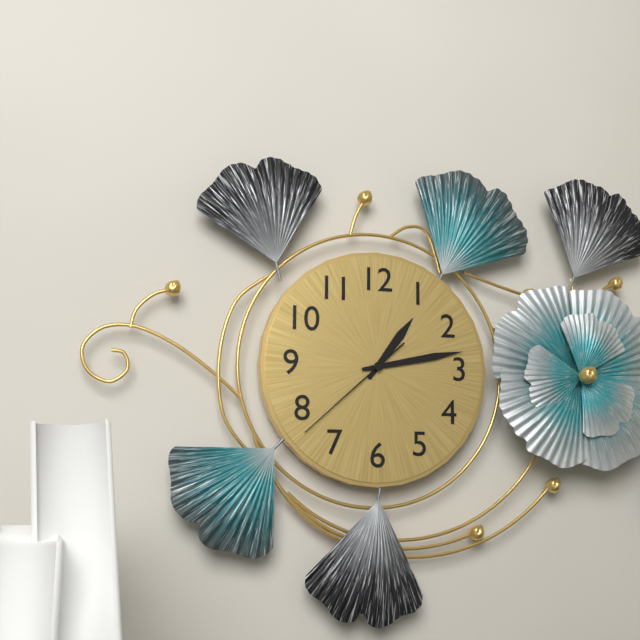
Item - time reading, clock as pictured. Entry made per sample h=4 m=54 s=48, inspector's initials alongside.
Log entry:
h=1 m=13 s=38
